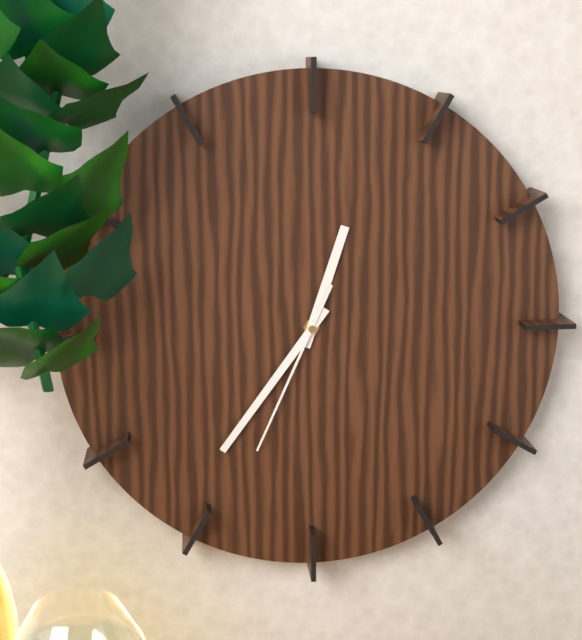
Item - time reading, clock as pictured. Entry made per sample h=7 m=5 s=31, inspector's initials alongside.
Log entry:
h=12 m=36 s=34
